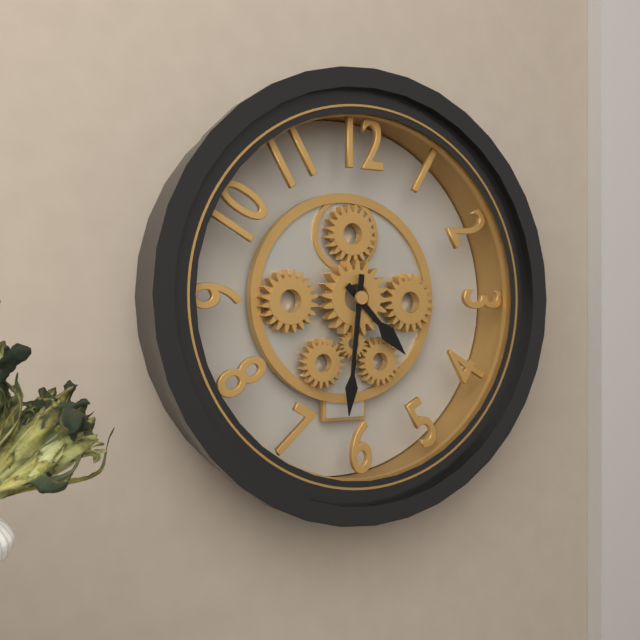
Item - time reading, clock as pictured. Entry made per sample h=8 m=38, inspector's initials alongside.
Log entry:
h=4 m=31
